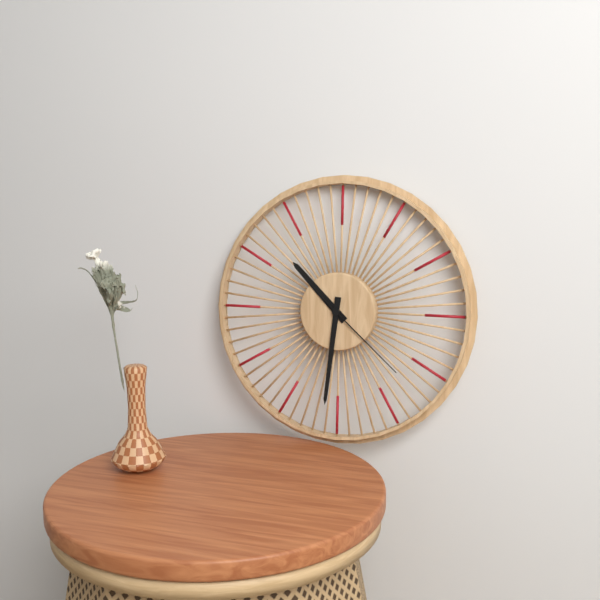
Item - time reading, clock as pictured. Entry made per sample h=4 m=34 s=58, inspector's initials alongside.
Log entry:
h=10 m=31 s=22
